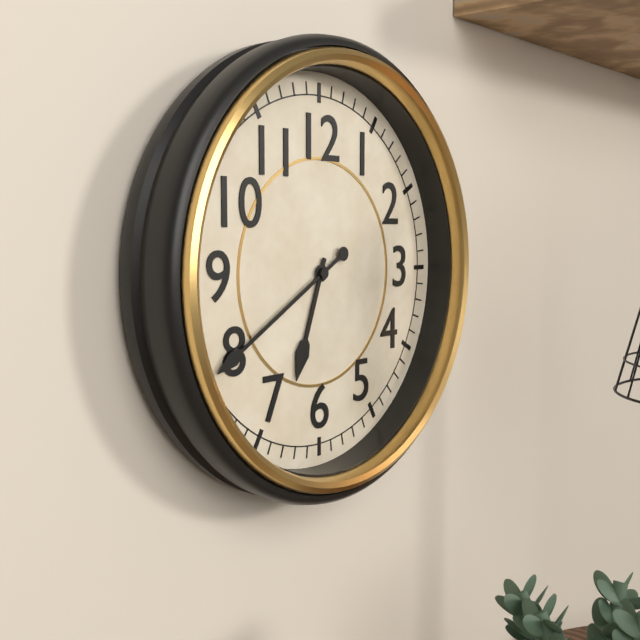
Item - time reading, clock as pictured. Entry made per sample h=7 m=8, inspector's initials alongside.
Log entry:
h=6 m=40
